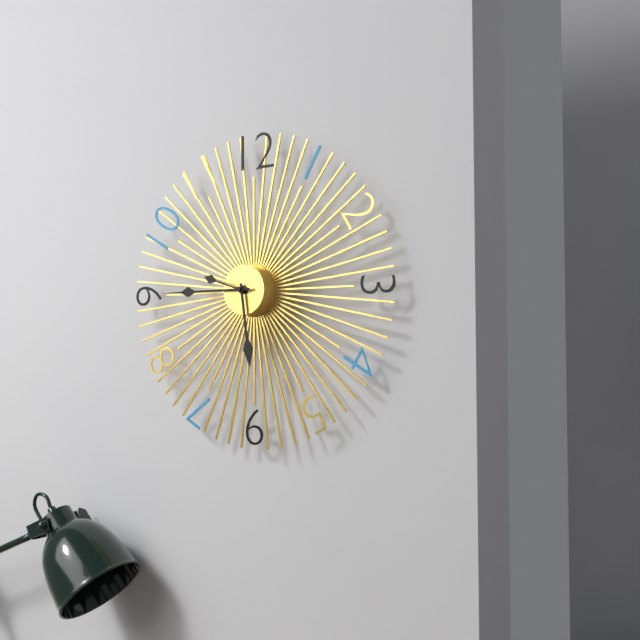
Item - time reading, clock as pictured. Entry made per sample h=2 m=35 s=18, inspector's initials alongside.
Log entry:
h=5 m=45 s=48
